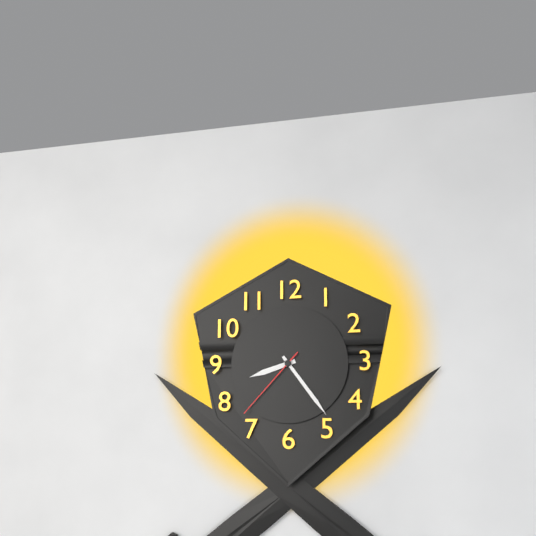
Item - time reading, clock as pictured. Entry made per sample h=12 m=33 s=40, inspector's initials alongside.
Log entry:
h=8 m=24 s=37
